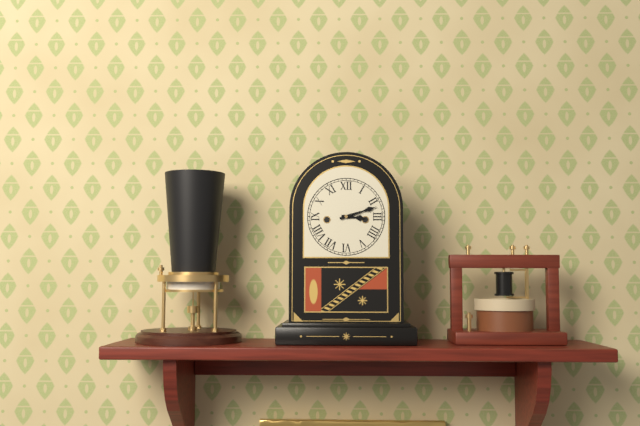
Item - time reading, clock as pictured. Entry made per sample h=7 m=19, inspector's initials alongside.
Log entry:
h=3 m=12
